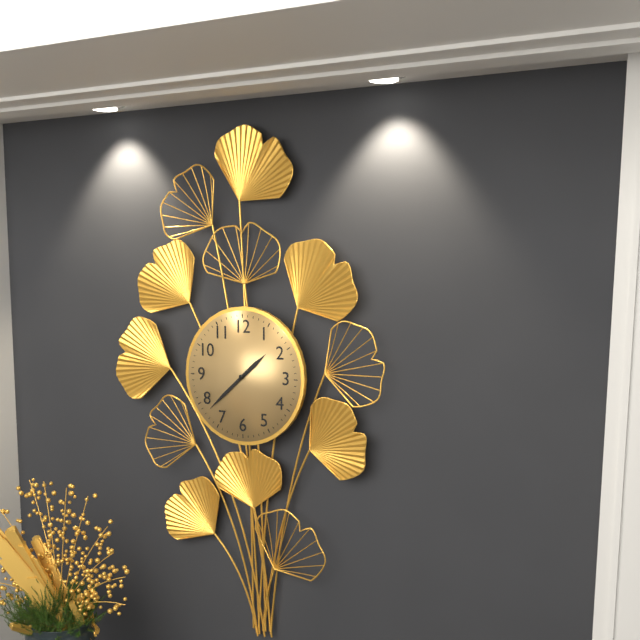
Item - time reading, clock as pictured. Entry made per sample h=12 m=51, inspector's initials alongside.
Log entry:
h=1 m=38
